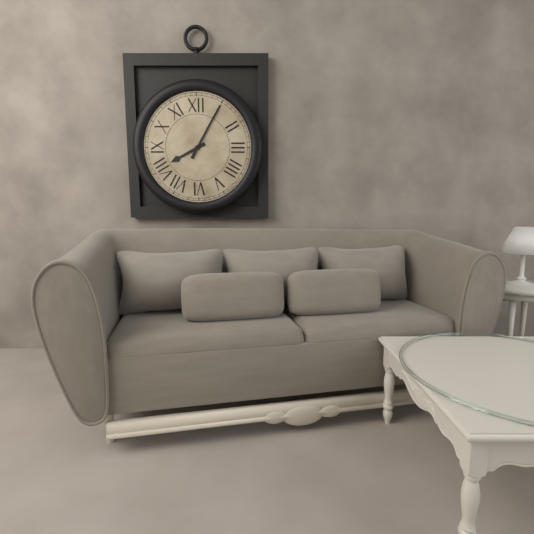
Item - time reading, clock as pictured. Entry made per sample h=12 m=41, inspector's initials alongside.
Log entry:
h=8 m=5
